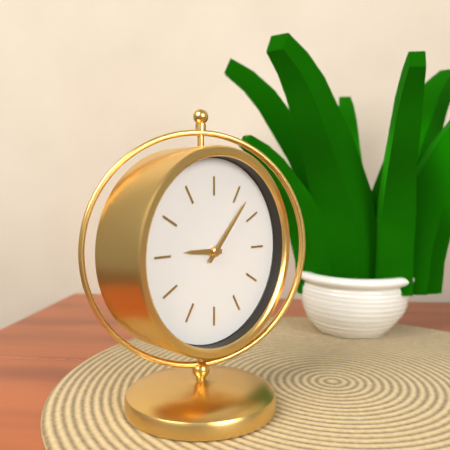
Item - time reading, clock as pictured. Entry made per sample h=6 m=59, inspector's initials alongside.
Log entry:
h=9 m=7
